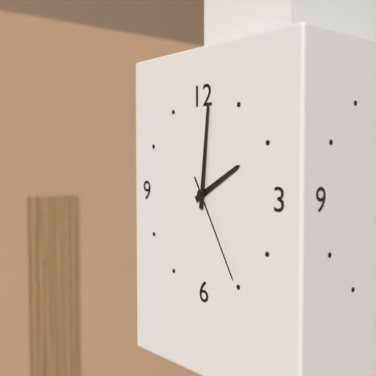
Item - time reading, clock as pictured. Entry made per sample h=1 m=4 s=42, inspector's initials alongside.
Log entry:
h=2 m=1 s=25
